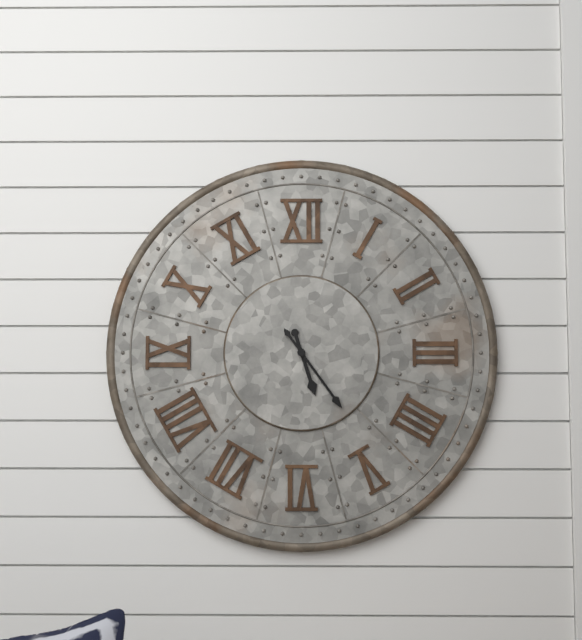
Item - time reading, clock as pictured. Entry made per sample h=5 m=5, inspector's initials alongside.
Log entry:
h=5 m=24
